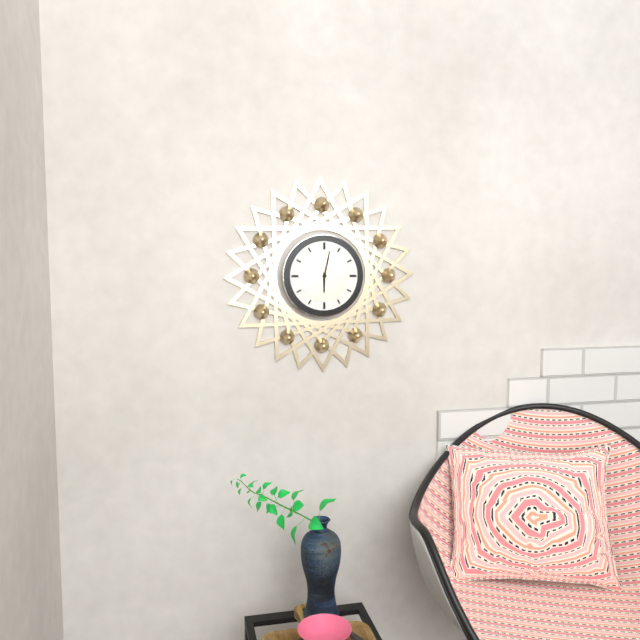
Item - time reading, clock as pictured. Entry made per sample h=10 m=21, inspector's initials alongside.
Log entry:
h=6 m=2
